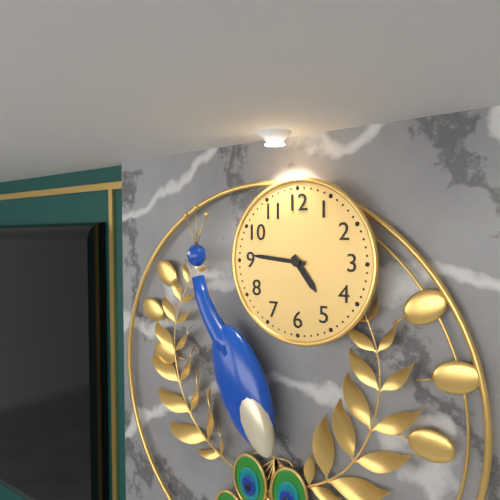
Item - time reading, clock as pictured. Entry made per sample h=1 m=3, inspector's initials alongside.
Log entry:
h=4 m=46
